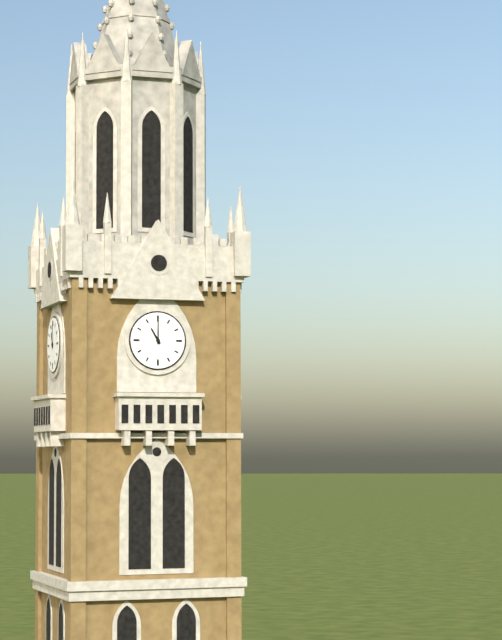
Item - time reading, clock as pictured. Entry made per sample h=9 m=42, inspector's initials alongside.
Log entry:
h=11 m=0
